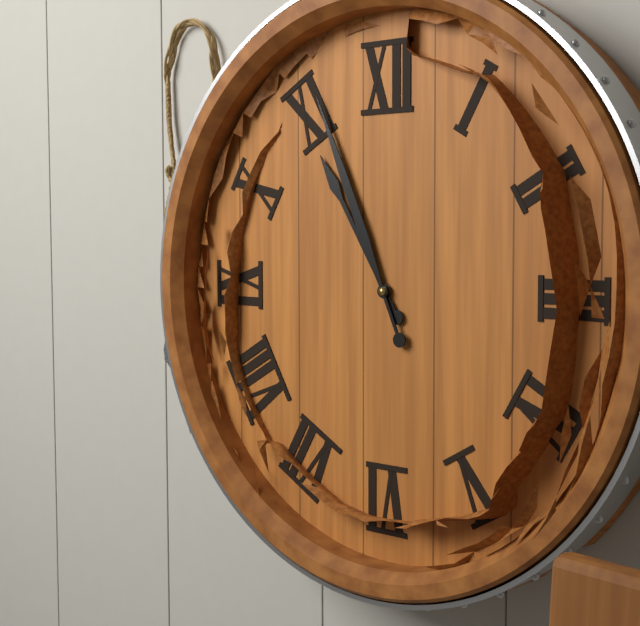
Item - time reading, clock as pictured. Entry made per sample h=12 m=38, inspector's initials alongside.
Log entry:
h=10 m=56
